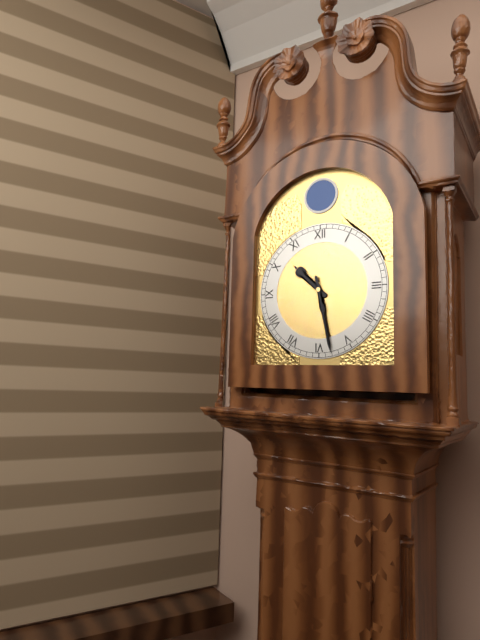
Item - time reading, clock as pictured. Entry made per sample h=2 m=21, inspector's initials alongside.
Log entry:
h=10 m=28
